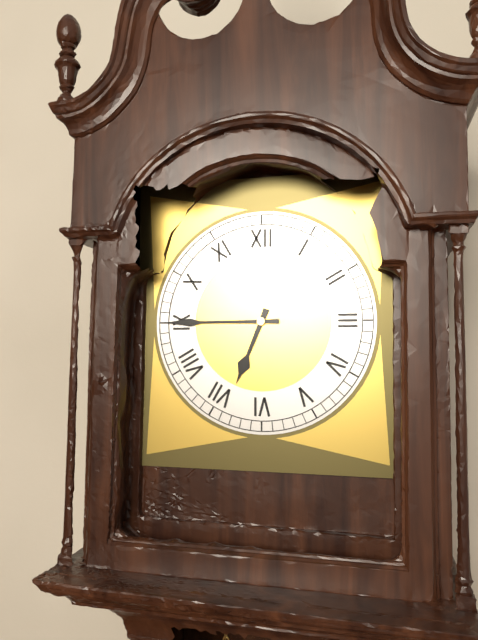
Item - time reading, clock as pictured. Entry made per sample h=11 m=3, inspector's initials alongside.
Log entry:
h=6 m=45
